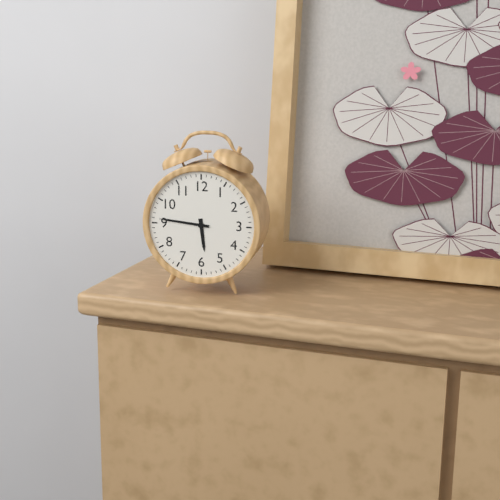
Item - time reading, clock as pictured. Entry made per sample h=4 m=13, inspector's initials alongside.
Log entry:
h=5 m=46
